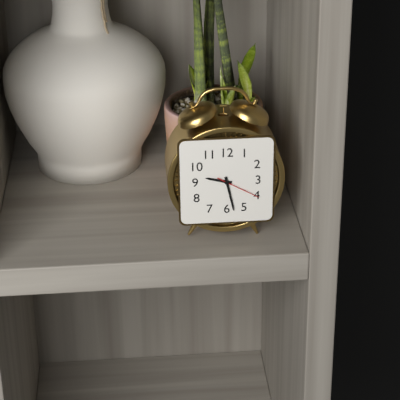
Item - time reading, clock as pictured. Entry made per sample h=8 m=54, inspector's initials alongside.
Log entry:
h=9 m=28
